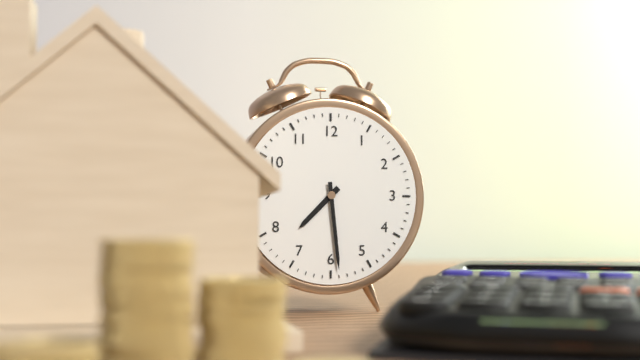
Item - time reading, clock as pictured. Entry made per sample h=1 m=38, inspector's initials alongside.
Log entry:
h=7 m=29
